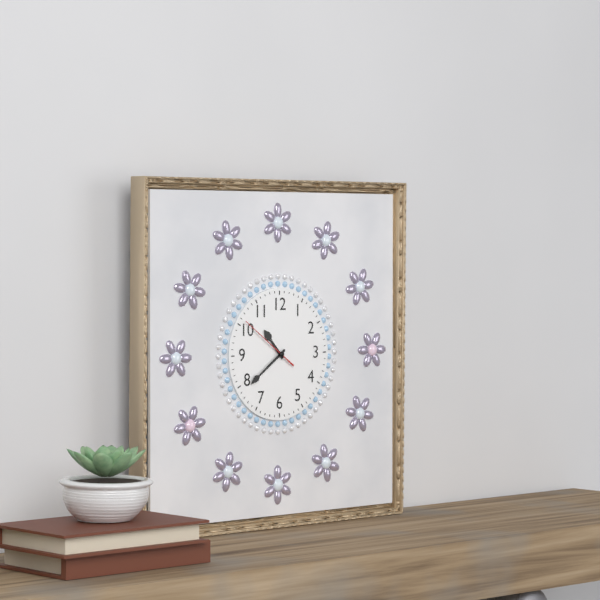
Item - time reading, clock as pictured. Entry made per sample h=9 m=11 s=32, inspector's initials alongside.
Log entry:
h=10 m=39 s=51
